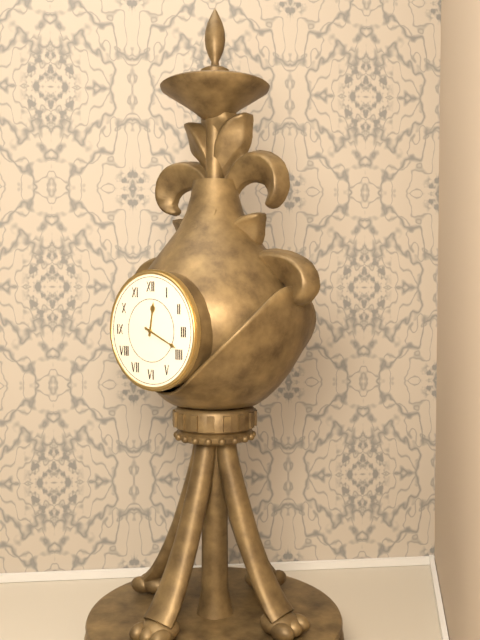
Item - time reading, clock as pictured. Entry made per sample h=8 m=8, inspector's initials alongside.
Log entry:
h=12 m=19
